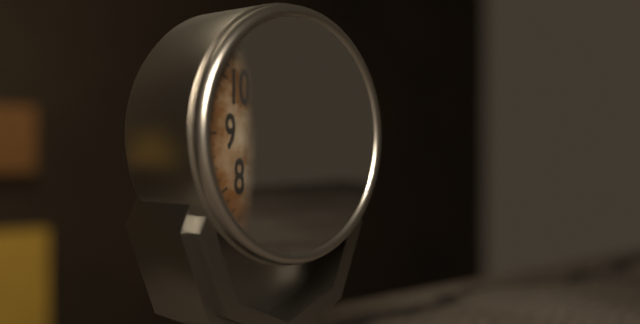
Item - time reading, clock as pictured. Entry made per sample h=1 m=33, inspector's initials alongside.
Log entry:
h=11 m=53
